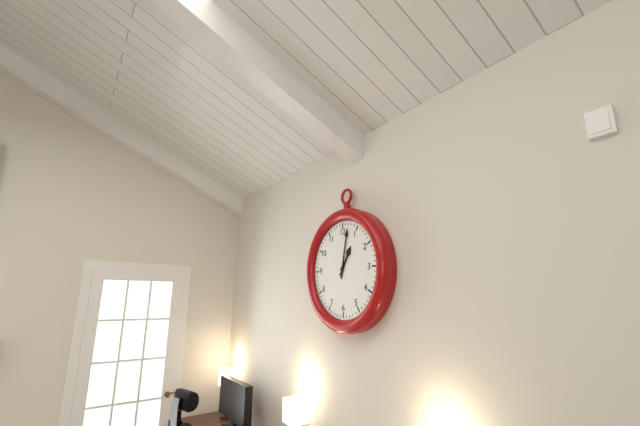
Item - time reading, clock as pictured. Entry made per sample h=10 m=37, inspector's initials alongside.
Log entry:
h=1 m=2
